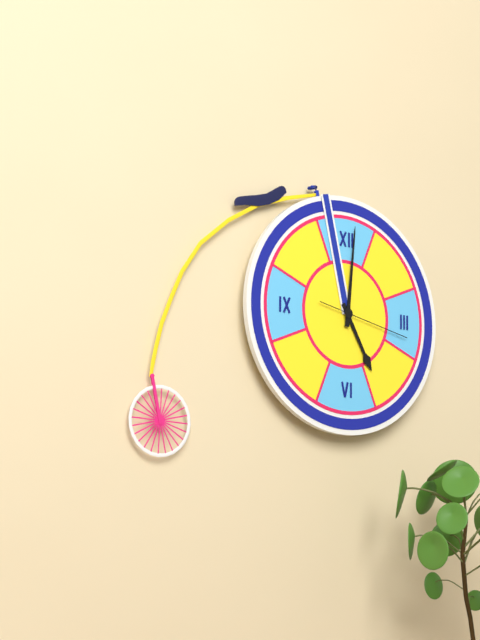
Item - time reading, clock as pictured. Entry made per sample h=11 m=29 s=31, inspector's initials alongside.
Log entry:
h=5 m=1 s=17
